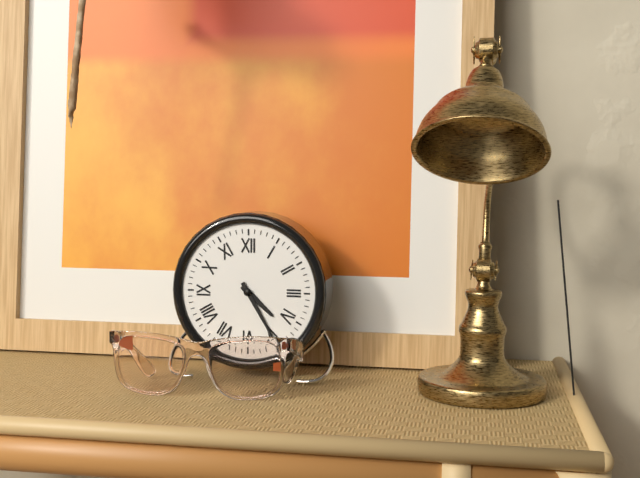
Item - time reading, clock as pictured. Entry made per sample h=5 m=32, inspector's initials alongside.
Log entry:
h=4 m=25
